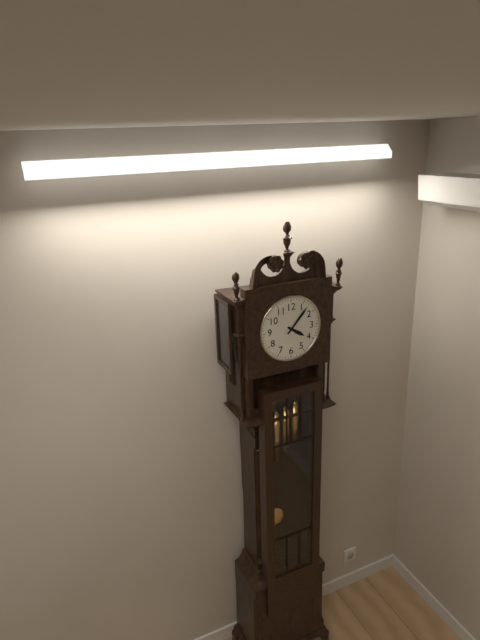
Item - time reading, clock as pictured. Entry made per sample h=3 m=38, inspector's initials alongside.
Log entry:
h=4 m=7
